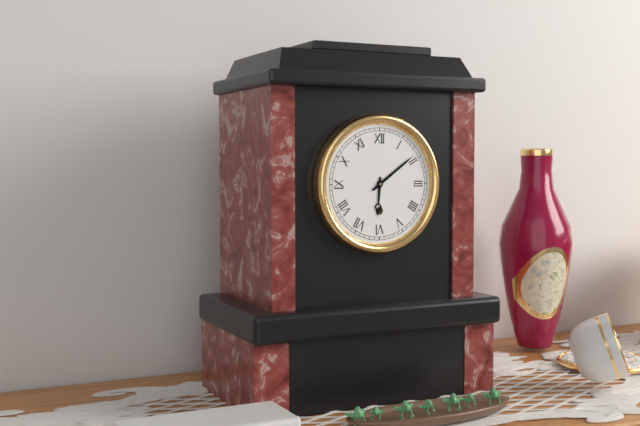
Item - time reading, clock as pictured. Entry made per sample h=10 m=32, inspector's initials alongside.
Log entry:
h=6 m=9
